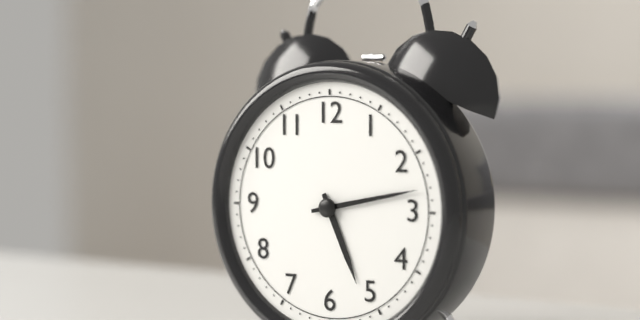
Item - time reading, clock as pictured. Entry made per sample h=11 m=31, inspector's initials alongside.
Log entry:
h=5 m=13
